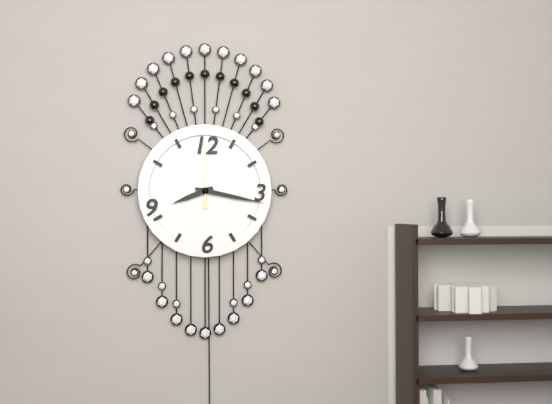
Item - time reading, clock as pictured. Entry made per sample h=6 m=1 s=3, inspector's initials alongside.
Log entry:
h=8 m=17 s=0
